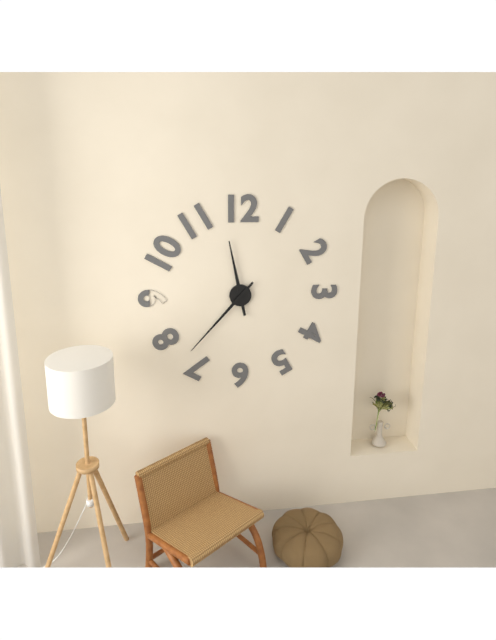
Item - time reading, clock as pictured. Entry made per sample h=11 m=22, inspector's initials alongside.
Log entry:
h=11 m=37
